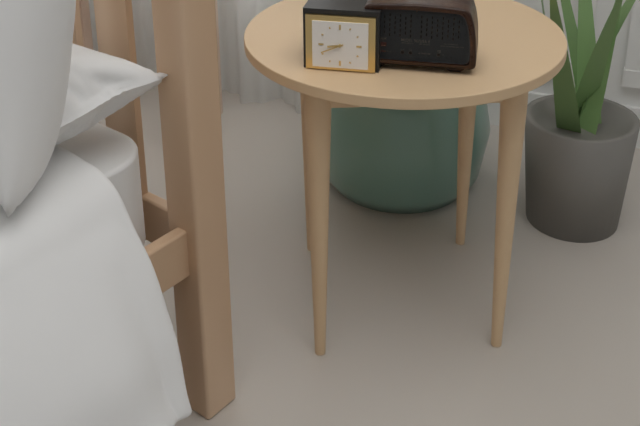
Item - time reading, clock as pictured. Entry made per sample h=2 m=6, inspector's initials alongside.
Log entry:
h=8 m=41
